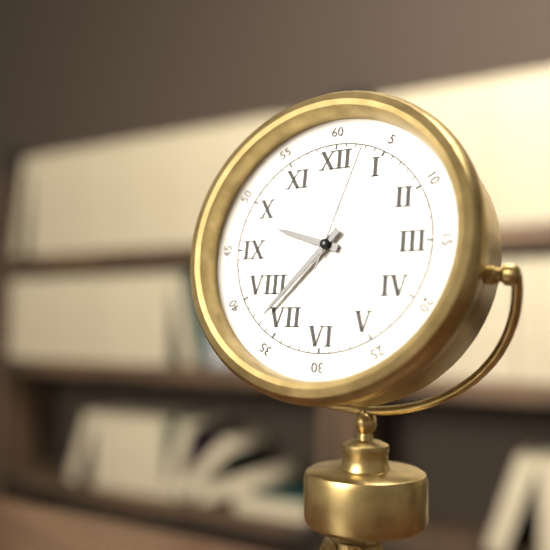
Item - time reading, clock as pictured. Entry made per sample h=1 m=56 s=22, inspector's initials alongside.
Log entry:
h=9 m=37 s=3
